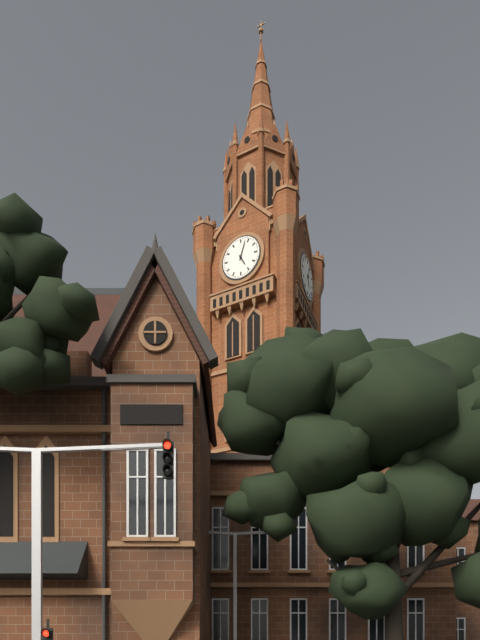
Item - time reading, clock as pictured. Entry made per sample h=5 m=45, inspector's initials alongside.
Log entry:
h=5 m=3
